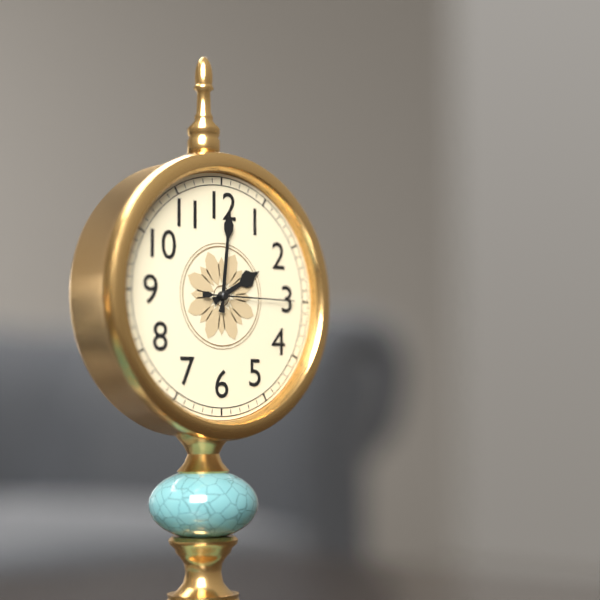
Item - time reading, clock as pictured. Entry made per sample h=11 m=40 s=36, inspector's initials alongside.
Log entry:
h=2 m=1 s=15
